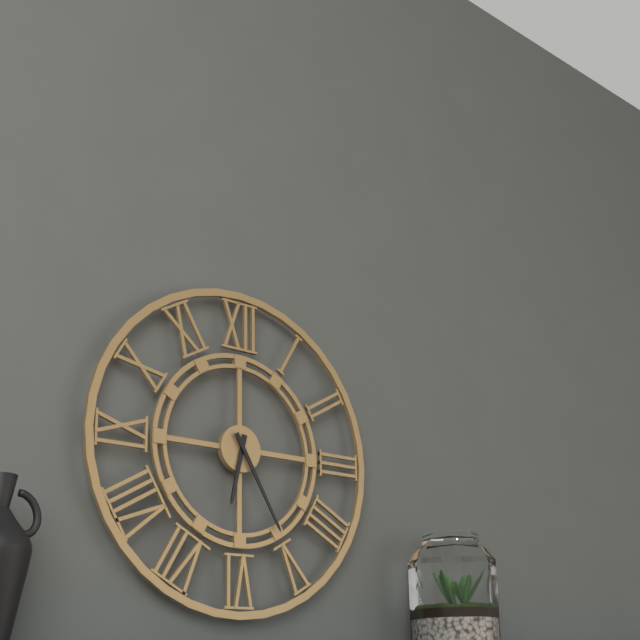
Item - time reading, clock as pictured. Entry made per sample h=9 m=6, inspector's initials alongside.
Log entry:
h=6 m=25
